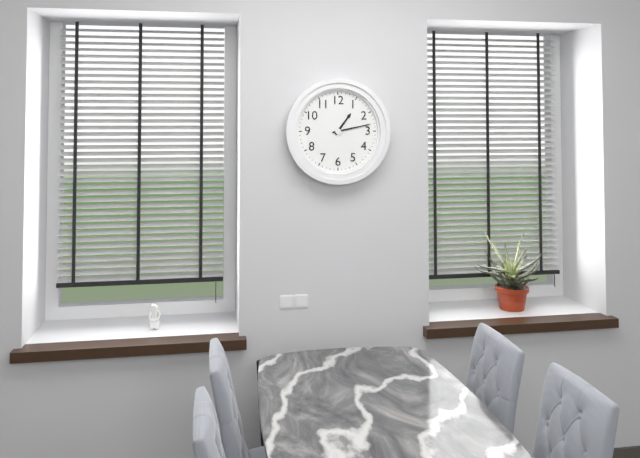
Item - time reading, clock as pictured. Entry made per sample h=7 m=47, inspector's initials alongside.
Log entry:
h=1 m=13
